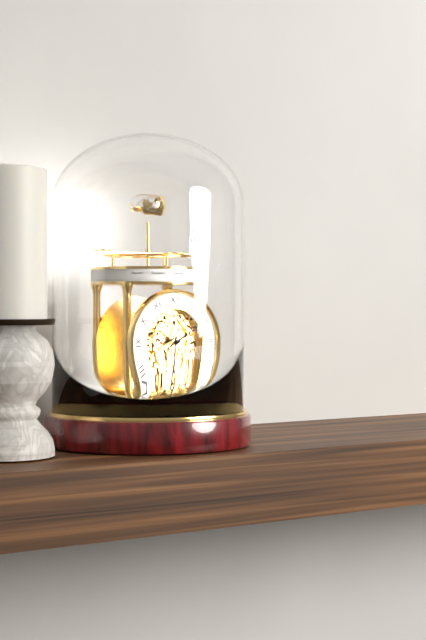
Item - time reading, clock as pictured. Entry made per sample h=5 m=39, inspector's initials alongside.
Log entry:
h=6 m=10
